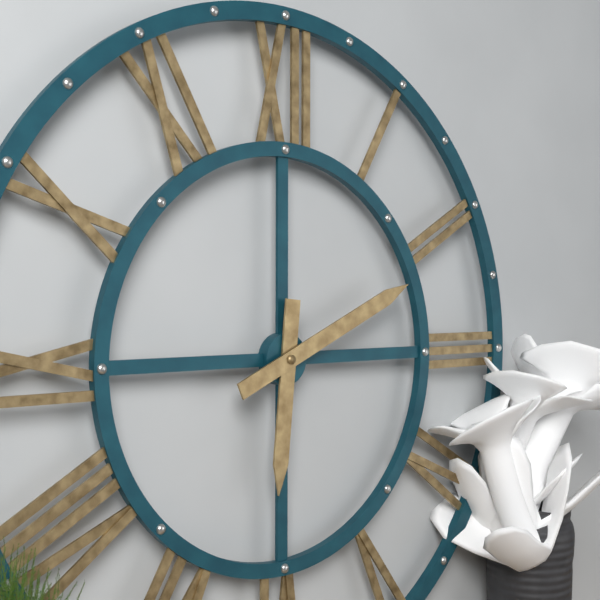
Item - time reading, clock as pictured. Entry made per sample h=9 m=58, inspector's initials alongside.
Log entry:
h=6 m=11
